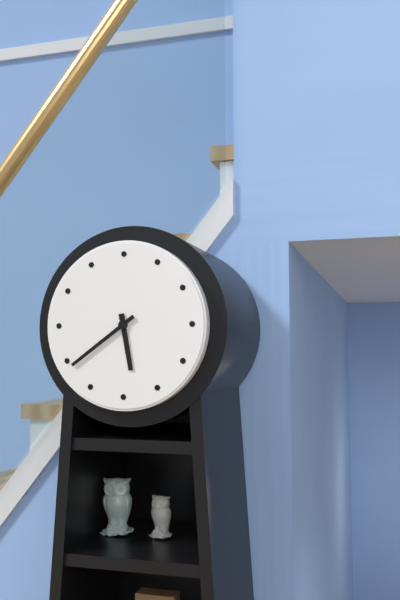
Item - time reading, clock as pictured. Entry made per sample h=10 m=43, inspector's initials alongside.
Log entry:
h=5 m=39
